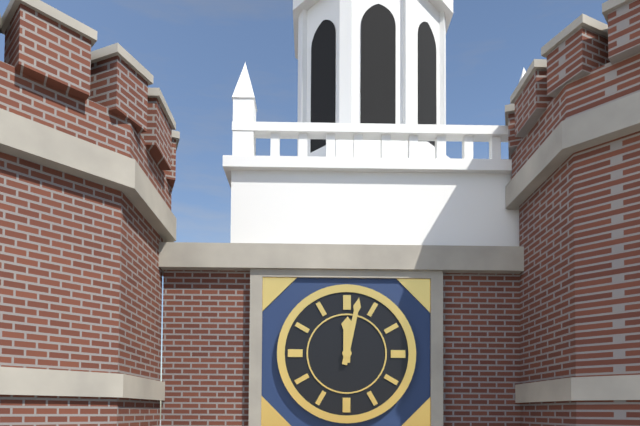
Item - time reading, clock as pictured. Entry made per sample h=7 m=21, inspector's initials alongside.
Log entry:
h=12 m=2
